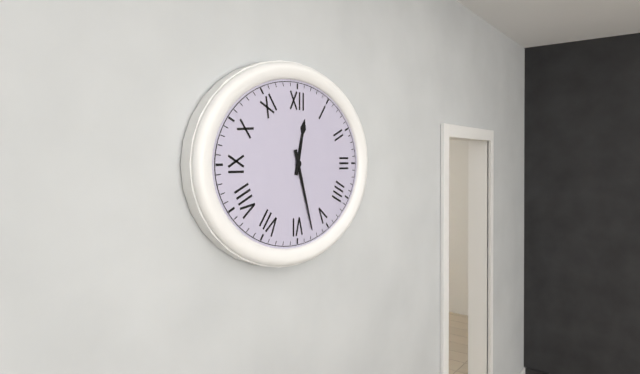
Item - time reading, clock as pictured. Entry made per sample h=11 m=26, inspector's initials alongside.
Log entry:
h=12 m=27
